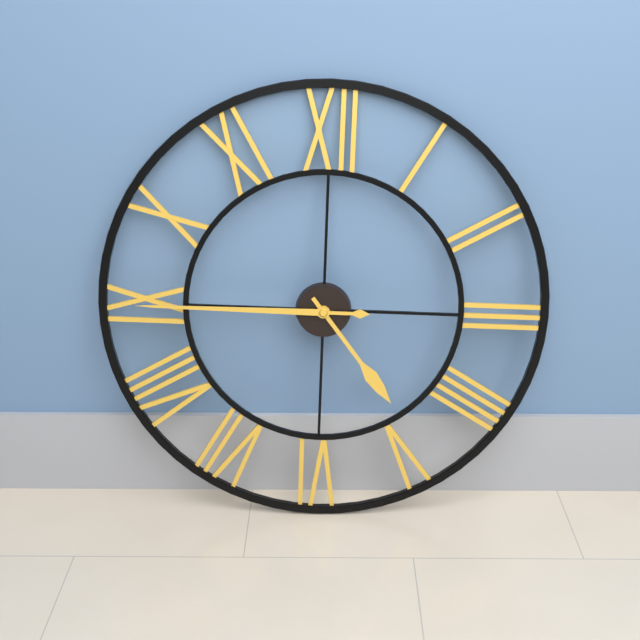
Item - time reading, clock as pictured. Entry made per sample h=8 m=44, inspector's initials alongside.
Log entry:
h=4 m=45
